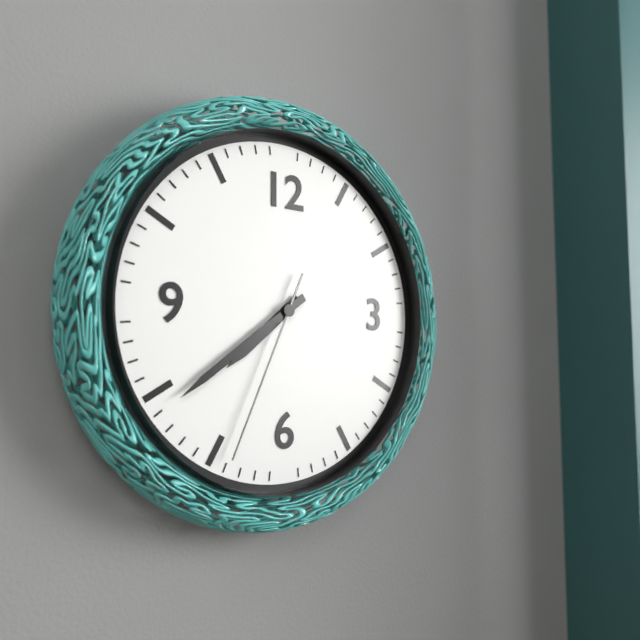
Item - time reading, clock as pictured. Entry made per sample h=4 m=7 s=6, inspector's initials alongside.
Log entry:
h=7 m=39 s=34
